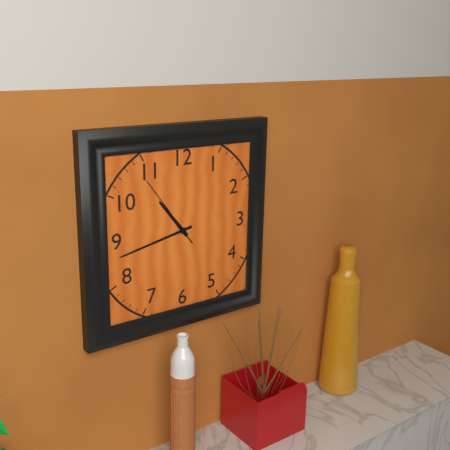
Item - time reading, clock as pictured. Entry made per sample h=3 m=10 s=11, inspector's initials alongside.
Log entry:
h=10 m=43 s=54
